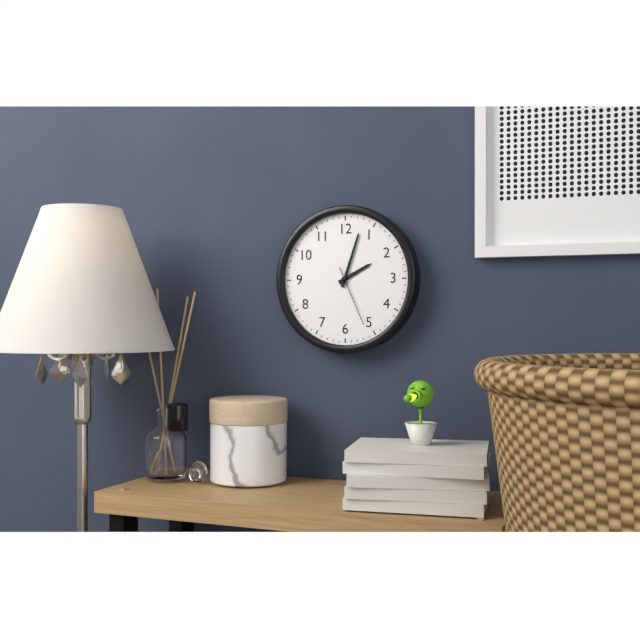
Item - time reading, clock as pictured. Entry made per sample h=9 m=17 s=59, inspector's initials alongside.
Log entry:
h=2 m=3 s=26
